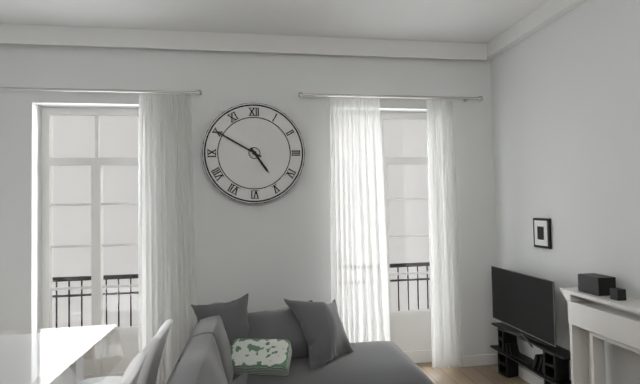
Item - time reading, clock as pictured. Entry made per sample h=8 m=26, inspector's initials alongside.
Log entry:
h=4 m=50
